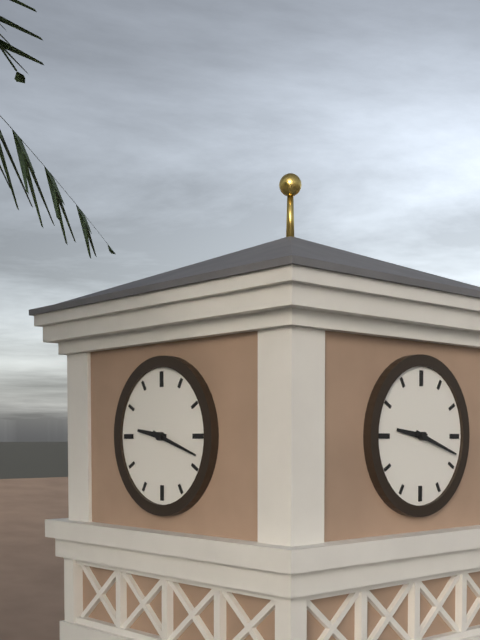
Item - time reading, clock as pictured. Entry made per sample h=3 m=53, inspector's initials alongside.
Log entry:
h=9 m=18
